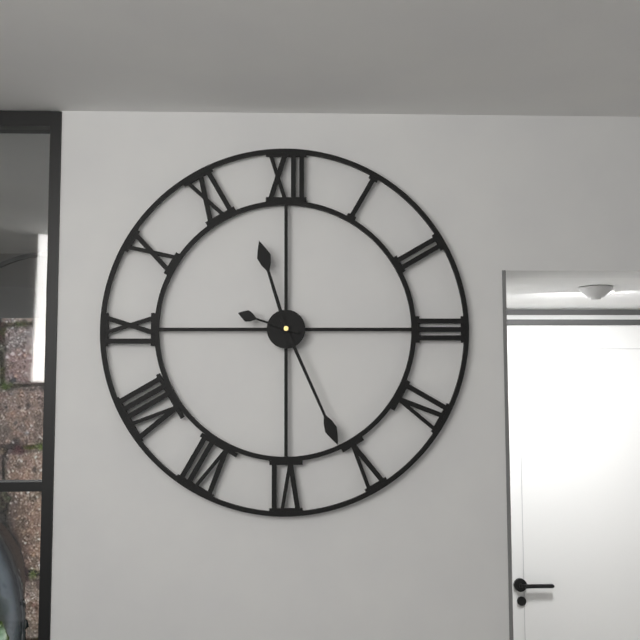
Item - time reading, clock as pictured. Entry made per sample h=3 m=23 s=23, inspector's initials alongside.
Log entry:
h=11 m=26 s=48
